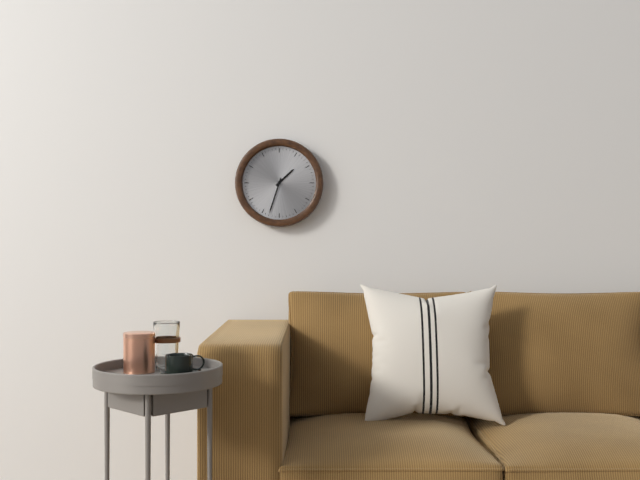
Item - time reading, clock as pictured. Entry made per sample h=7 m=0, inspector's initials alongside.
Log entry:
h=1 m=33
